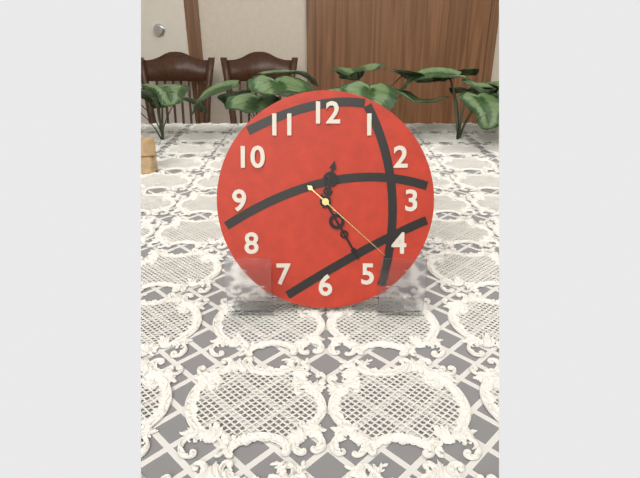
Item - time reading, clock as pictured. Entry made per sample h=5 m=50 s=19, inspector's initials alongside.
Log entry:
h=12 m=25 s=22
